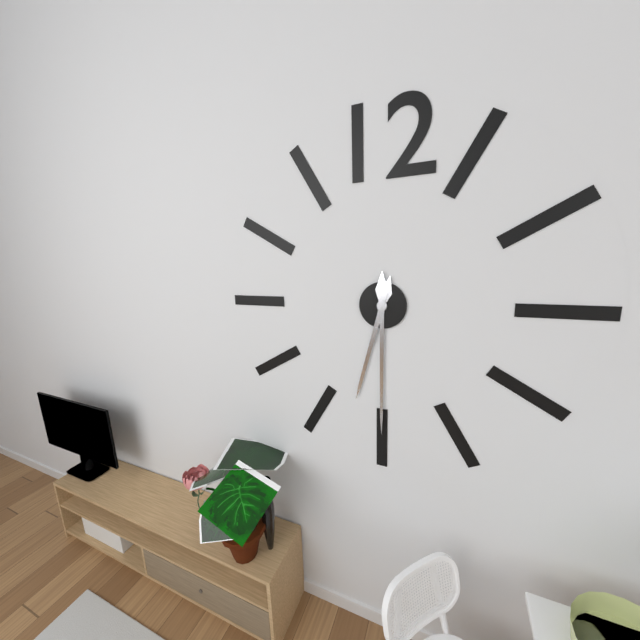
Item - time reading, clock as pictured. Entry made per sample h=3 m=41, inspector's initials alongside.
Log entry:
h=6 m=30
